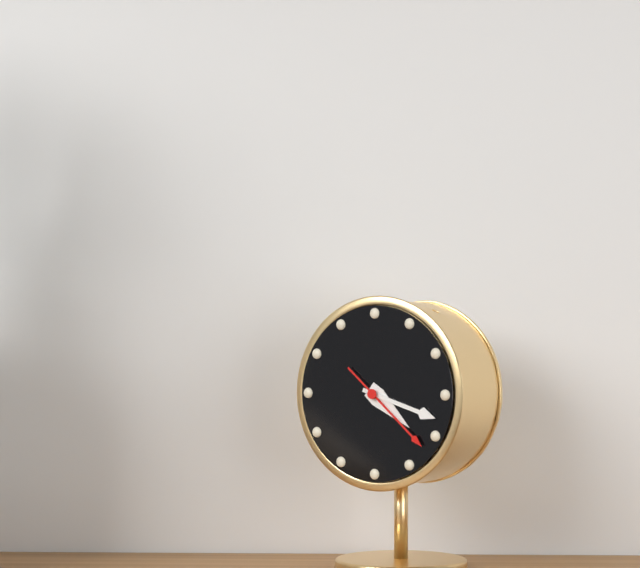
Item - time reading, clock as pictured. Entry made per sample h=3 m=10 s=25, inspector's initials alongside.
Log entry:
h=4 m=18 s=22
